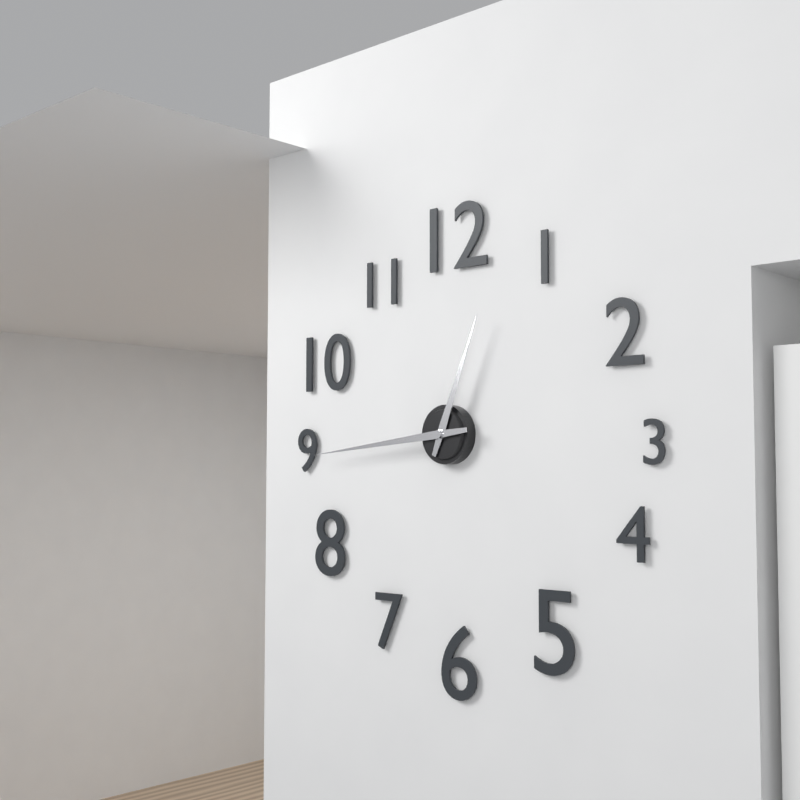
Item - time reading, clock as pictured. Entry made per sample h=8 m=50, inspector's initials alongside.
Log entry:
h=12 m=44
